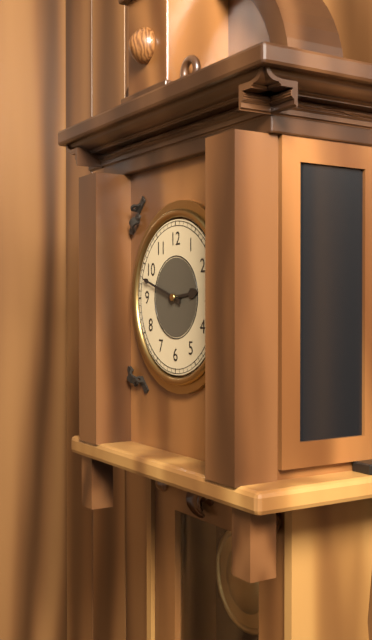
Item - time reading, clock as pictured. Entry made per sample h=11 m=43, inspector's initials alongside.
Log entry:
h=2 m=48
